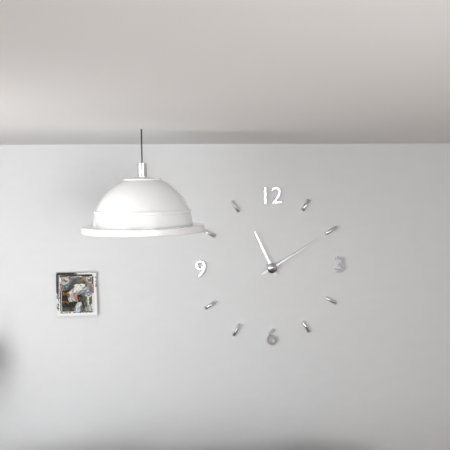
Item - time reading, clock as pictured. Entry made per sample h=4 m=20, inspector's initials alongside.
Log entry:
h=11 m=10
